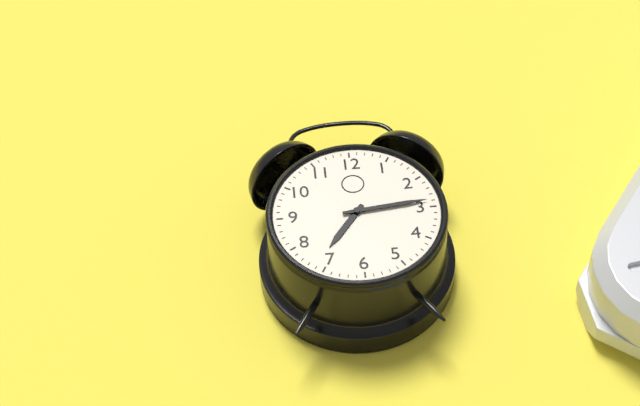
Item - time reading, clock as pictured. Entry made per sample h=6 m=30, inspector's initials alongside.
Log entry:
h=7 m=14
